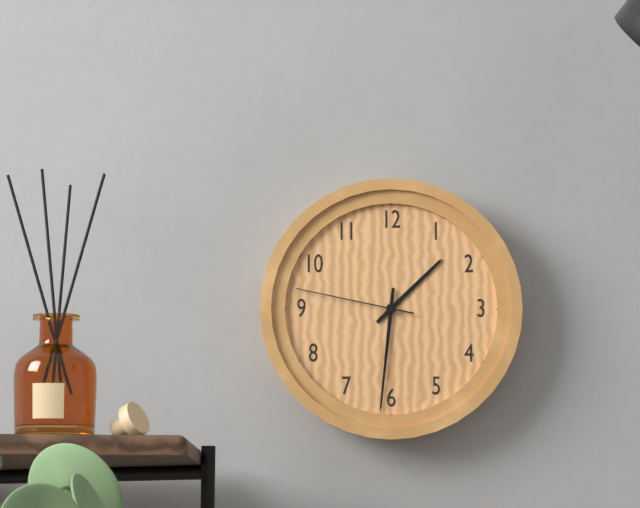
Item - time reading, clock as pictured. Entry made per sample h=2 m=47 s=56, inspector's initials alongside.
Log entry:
h=1 m=31 s=47
